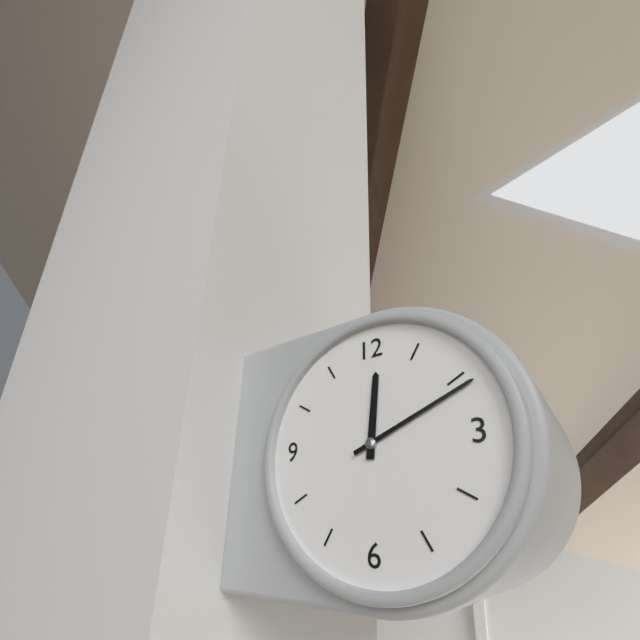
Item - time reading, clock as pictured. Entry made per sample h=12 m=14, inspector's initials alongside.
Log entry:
h=12 m=11
